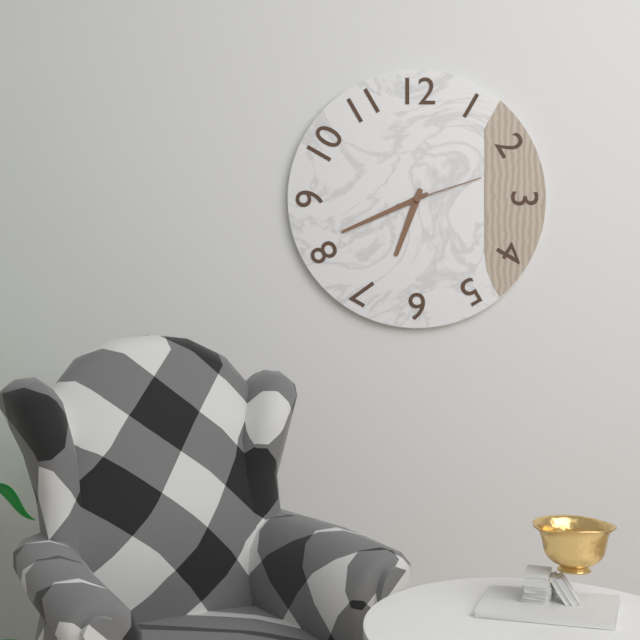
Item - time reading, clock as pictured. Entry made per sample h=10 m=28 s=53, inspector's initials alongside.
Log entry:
h=6 m=41 s=12
